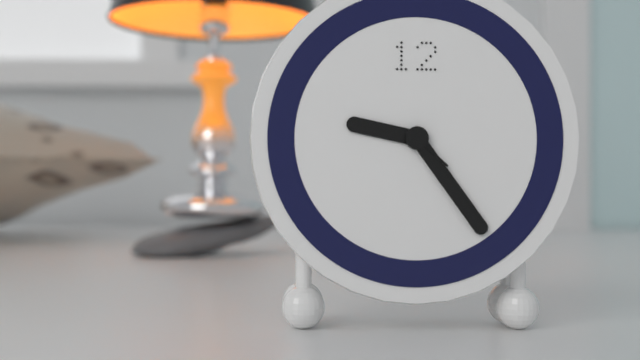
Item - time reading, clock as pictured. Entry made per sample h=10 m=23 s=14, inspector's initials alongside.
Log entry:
h=9 m=24 s=22
